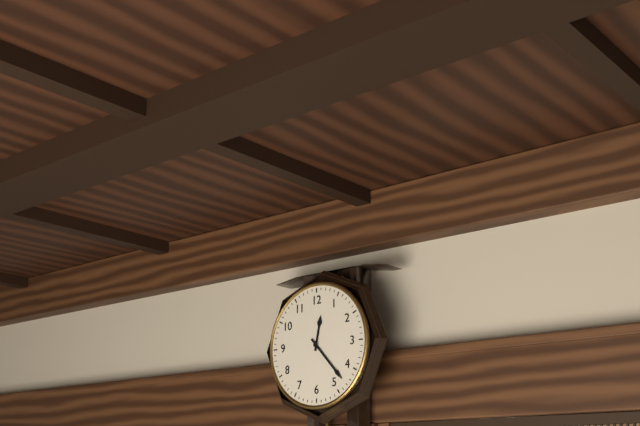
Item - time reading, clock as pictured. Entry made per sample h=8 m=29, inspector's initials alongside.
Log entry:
h=12 m=23
